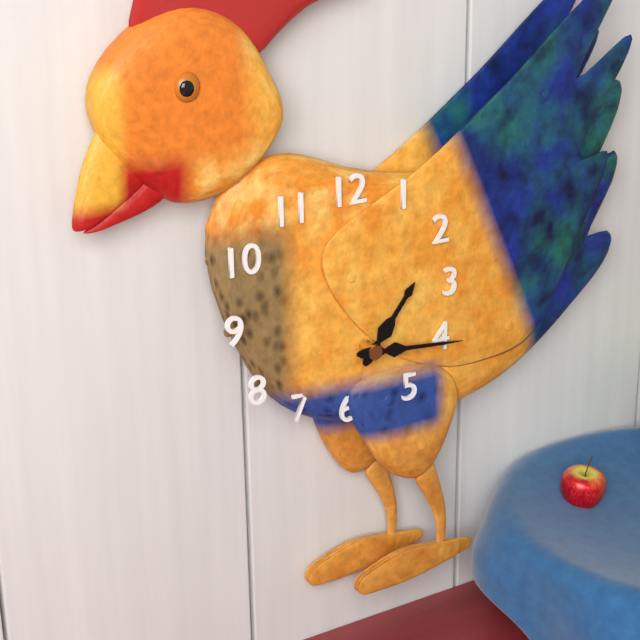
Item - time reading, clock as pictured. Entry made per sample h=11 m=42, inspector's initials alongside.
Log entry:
h=1 m=16
